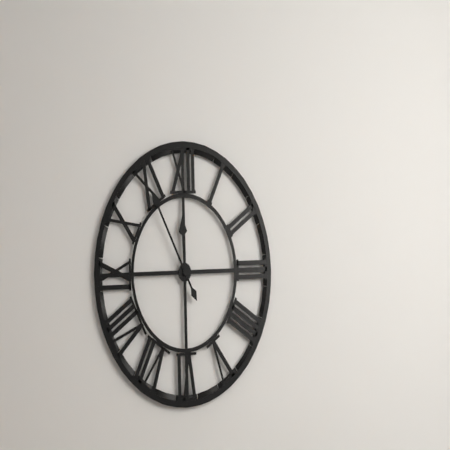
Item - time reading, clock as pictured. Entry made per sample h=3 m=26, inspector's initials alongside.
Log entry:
h=11 m=55
